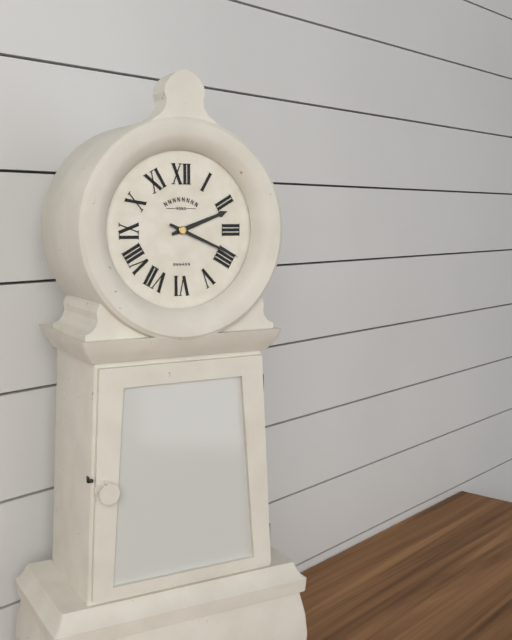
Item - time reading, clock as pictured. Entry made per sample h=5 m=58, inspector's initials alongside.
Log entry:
h=2 m=19
